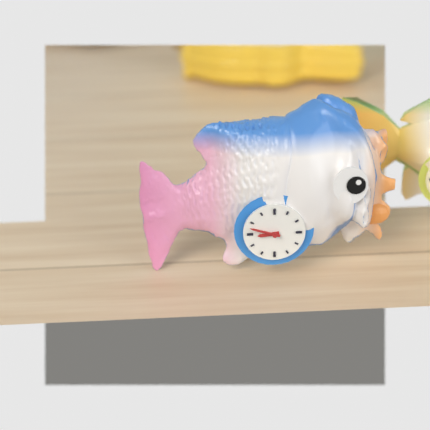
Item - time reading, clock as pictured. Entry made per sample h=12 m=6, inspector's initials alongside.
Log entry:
h=8 m=48
